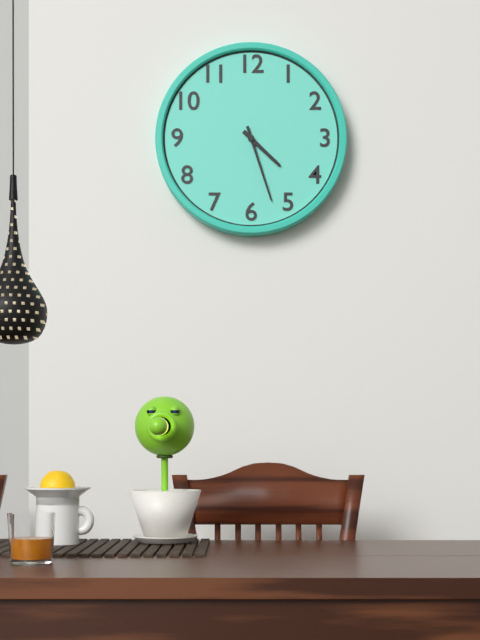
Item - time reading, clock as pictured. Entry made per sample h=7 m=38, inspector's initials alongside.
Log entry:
h=4 m=27
